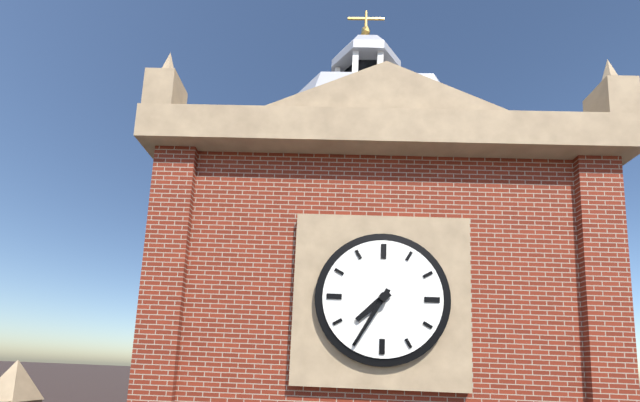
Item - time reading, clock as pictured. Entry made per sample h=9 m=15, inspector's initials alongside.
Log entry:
h=7 m=35
